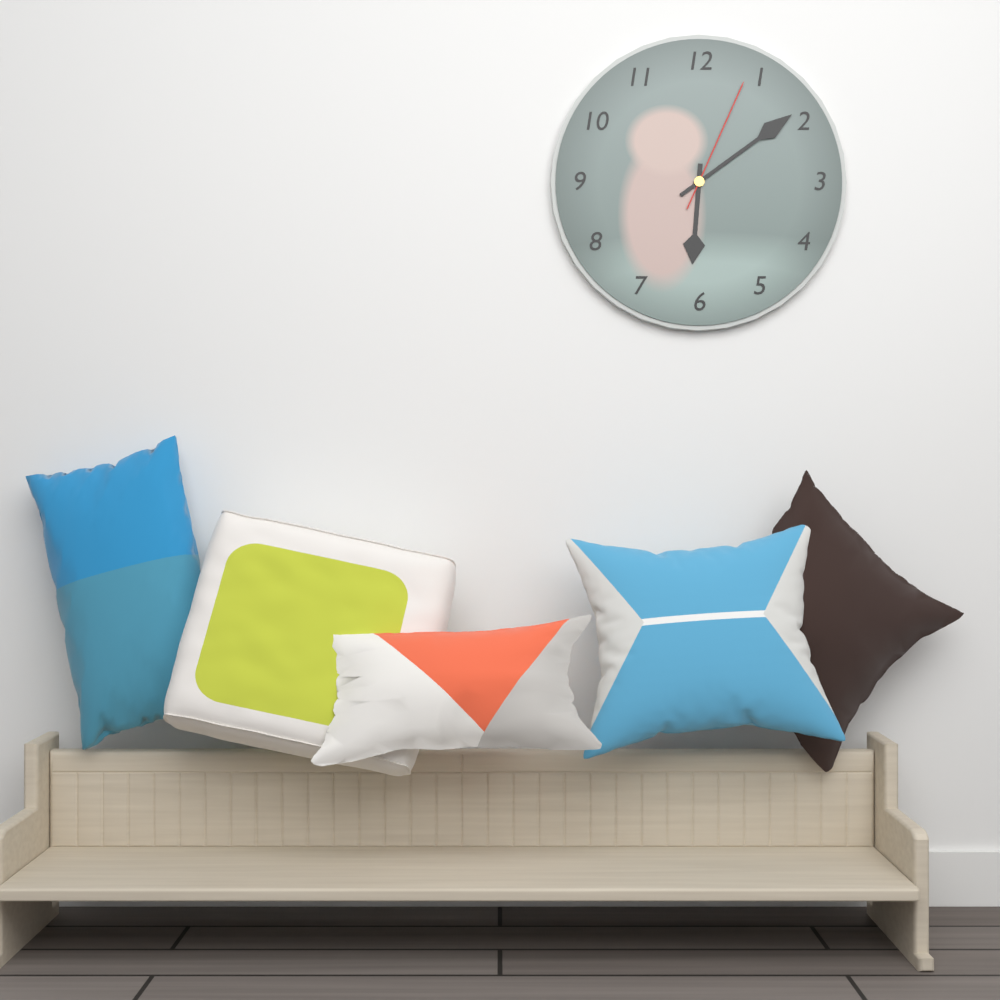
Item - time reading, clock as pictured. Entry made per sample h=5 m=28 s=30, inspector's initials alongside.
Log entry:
h=6 m=9 s=4
